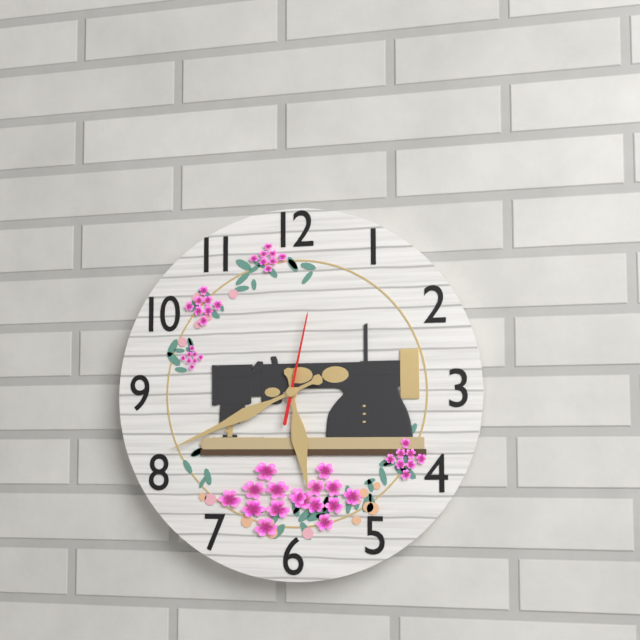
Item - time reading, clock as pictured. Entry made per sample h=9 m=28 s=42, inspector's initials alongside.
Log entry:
h=5 m=41 s=2
